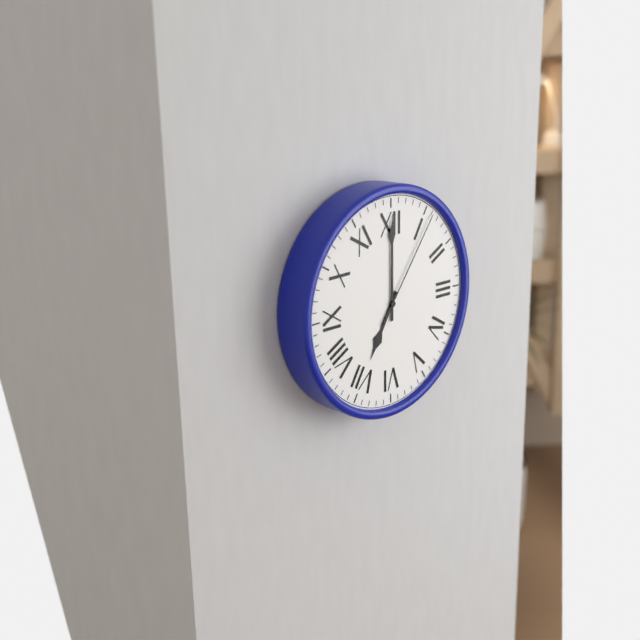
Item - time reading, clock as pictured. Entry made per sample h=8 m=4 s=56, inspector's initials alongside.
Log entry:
h=7 m=0 s=6
